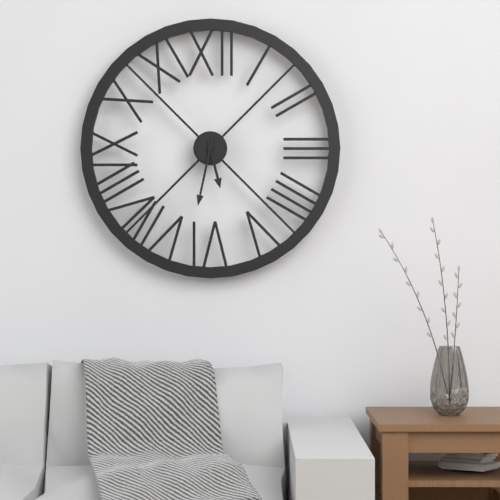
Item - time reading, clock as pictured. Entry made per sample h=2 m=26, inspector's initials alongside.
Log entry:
h=5 m=32
